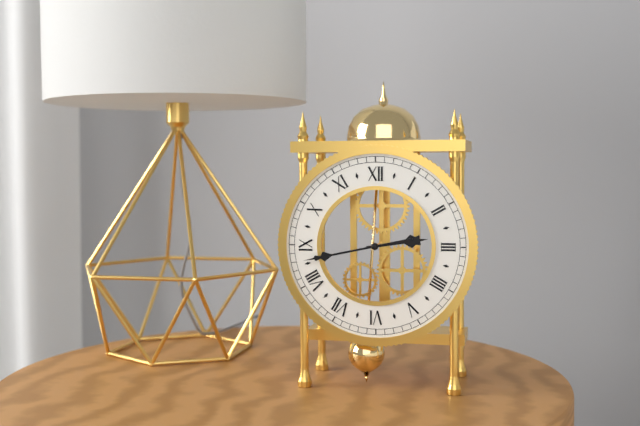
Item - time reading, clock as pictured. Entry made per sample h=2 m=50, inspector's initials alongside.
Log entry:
h=2 m=43
